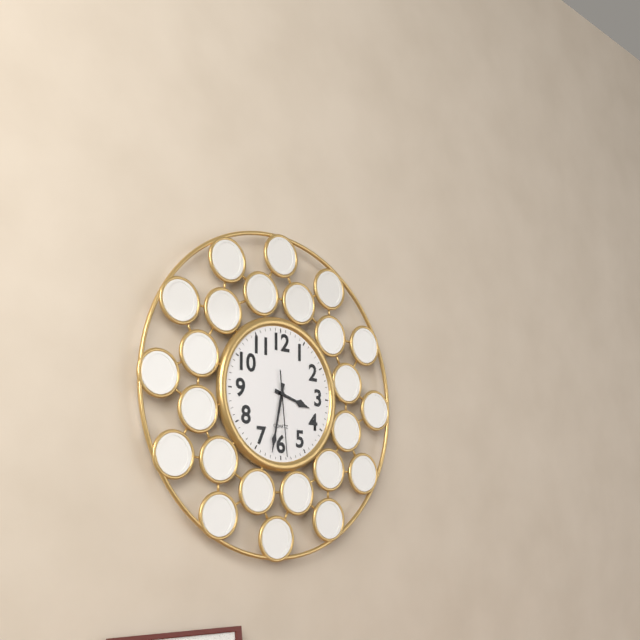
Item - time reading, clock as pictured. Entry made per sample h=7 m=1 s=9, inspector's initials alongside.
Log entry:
h=3 m=32 s=29
